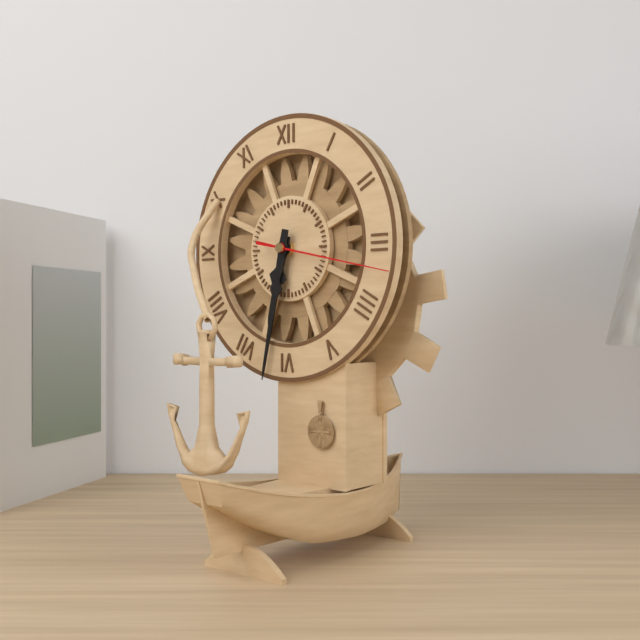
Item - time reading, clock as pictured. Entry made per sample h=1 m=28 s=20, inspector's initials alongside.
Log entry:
h=6 m=32 s=17
